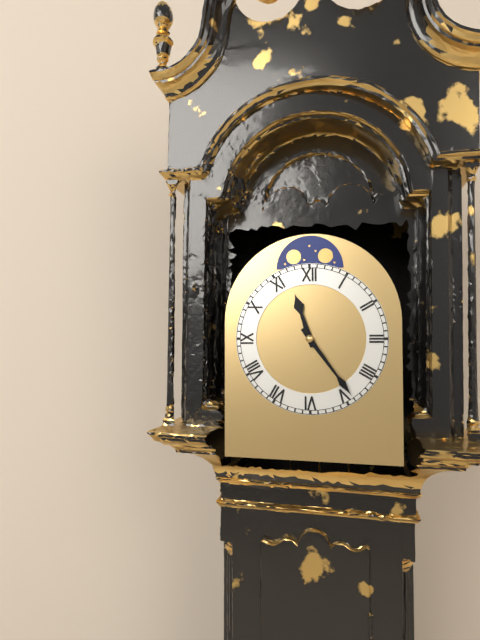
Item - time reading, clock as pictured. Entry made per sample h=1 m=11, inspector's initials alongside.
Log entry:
h=11 m=24
